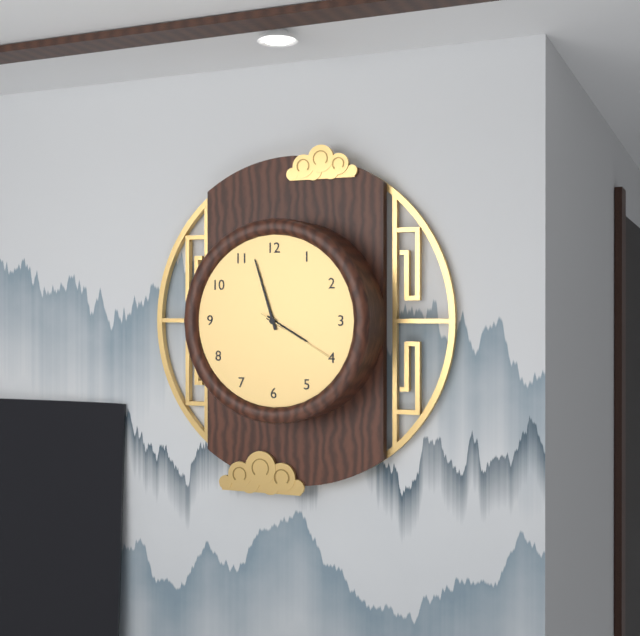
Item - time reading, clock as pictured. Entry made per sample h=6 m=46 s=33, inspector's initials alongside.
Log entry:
h=3 m=57 s=20
